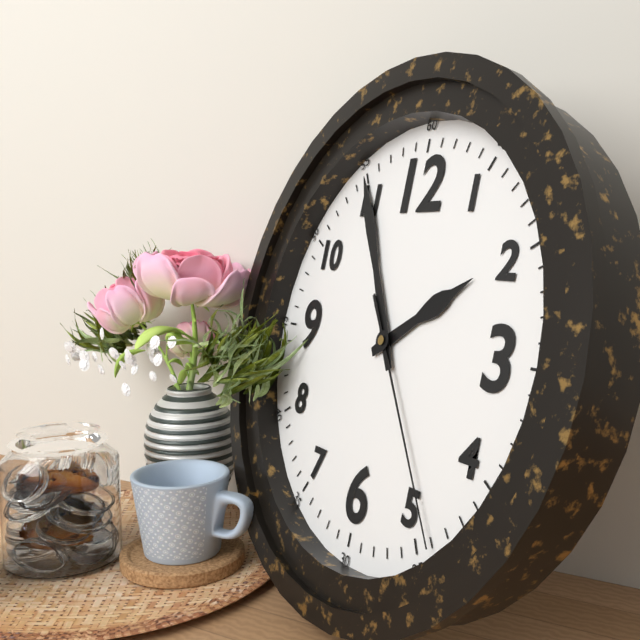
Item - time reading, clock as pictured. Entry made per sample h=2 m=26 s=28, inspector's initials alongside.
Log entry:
h=1 m=55 s=24
